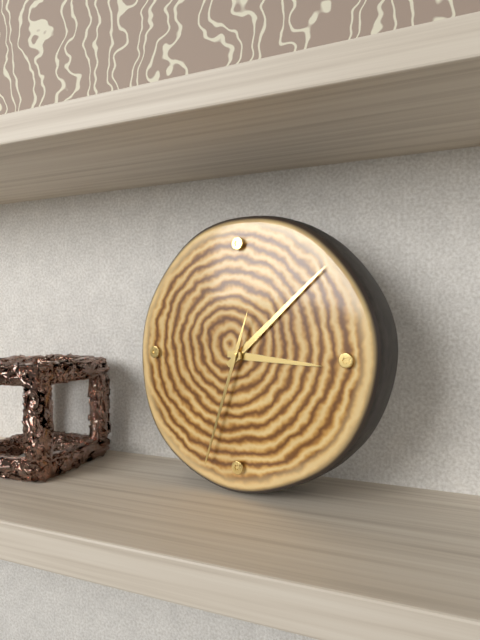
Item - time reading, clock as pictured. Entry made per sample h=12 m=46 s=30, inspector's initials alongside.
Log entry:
h=3 m=8 s=33
